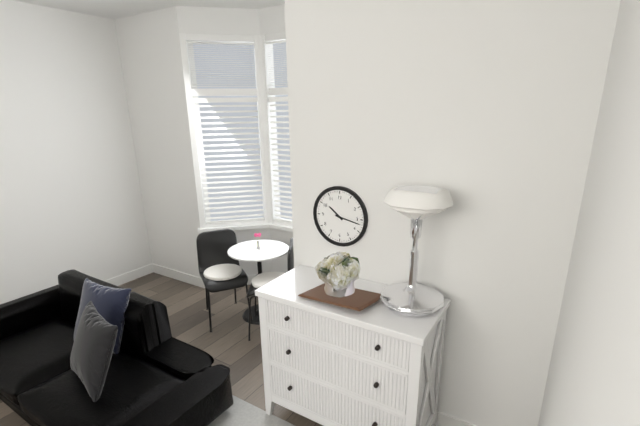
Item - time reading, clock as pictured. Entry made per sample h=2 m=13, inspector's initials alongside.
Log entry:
h=10 m=17
